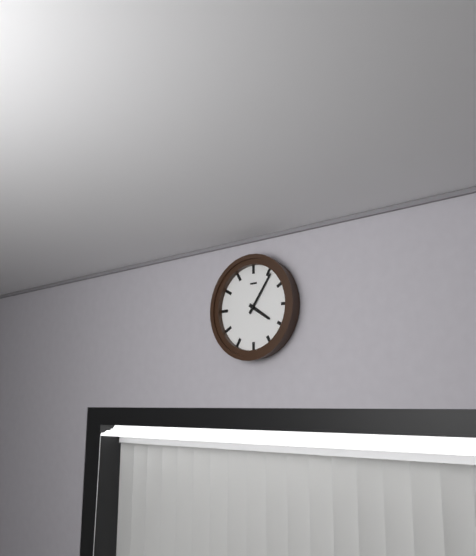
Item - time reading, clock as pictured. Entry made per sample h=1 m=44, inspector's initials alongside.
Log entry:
h=4 m=6
